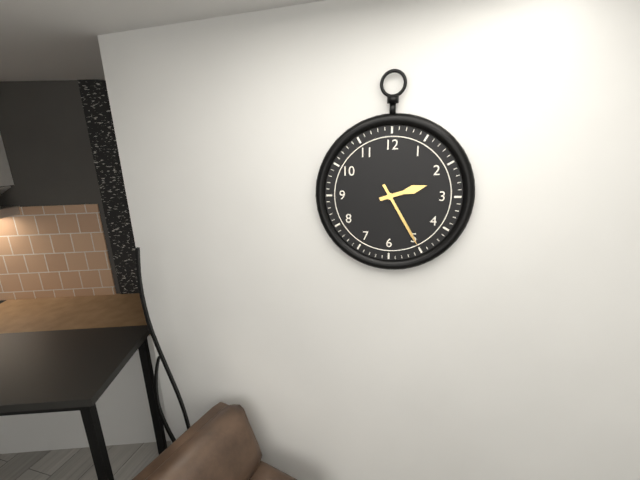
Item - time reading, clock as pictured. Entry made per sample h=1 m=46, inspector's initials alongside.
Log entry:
h=2 m=25
